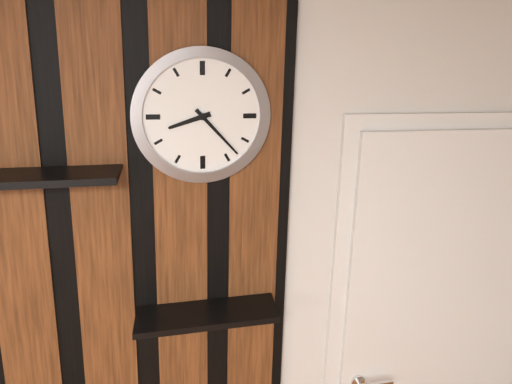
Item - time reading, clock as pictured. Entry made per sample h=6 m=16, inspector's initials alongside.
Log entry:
h=8 m=23
